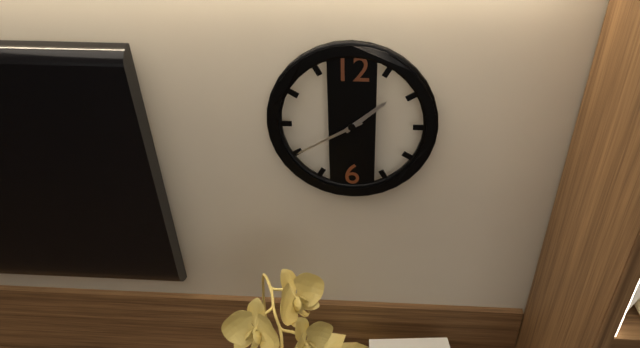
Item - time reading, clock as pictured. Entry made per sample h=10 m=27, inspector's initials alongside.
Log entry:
h=1 m=40
